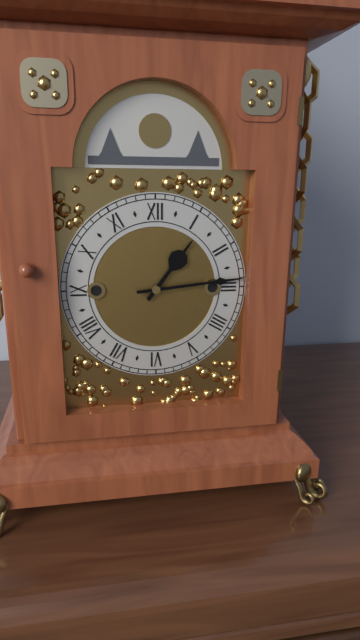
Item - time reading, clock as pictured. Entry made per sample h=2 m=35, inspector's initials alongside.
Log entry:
h=1 m=14
